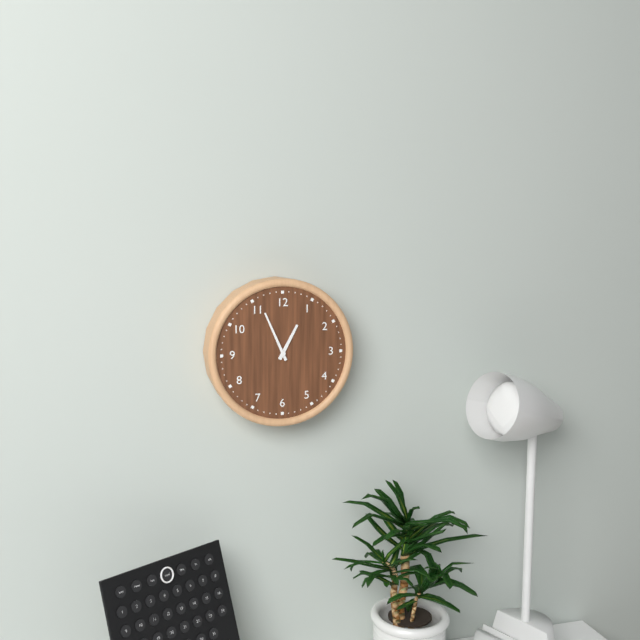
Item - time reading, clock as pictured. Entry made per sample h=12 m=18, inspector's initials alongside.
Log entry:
h=12 m=56
